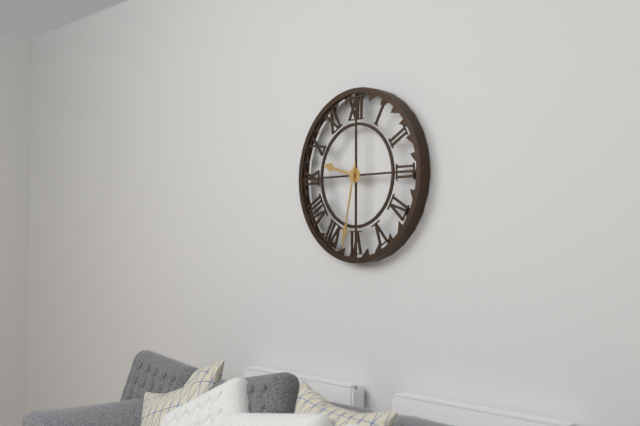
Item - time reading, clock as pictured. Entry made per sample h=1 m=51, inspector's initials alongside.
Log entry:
h=9 m=32
